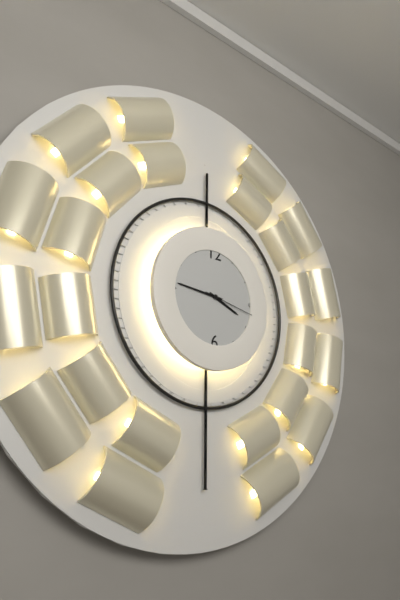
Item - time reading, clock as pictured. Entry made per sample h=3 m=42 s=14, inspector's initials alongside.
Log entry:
h=3 m=46 s=17
